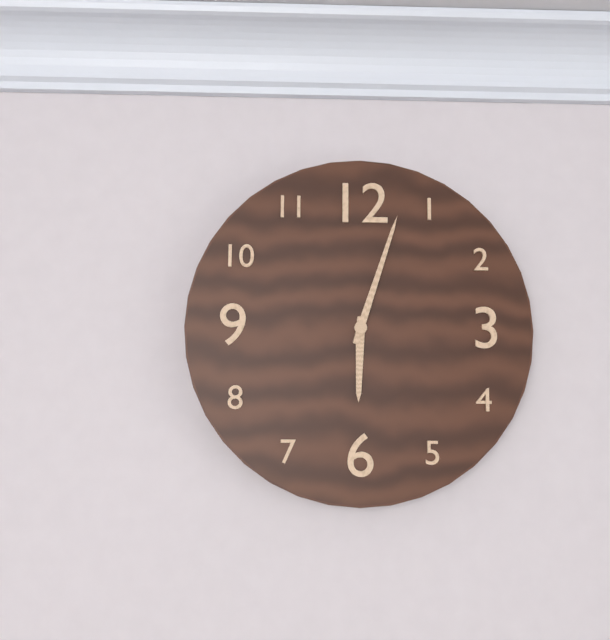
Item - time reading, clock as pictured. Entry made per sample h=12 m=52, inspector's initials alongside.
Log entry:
h=6 m=3
